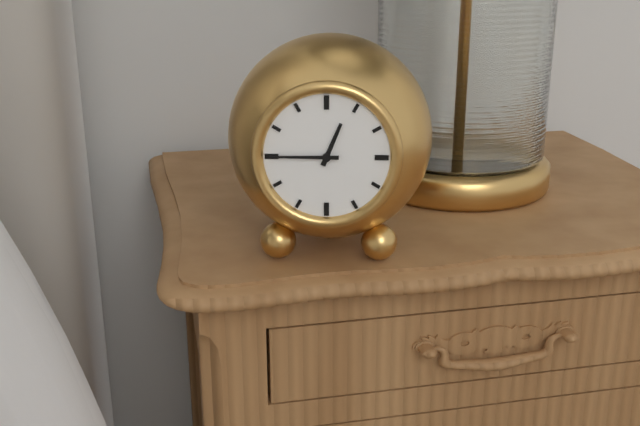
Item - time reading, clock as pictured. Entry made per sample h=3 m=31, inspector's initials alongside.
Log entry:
h=12 m=45
